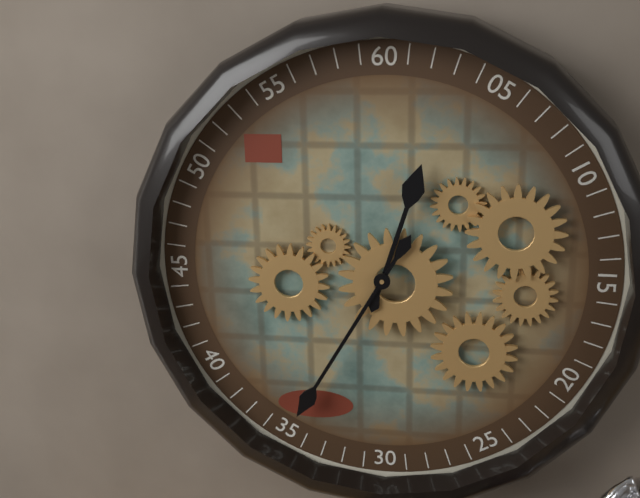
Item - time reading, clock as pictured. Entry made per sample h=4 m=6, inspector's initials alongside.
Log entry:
h=12 m=35
